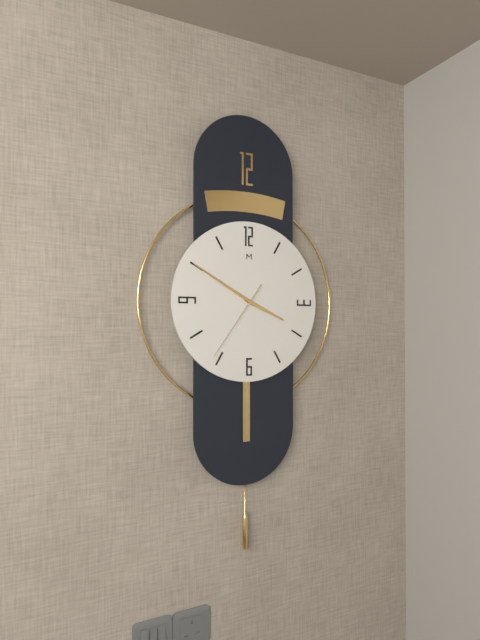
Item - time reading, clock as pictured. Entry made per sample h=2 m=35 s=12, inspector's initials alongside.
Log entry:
h=3 m=50 s=36
